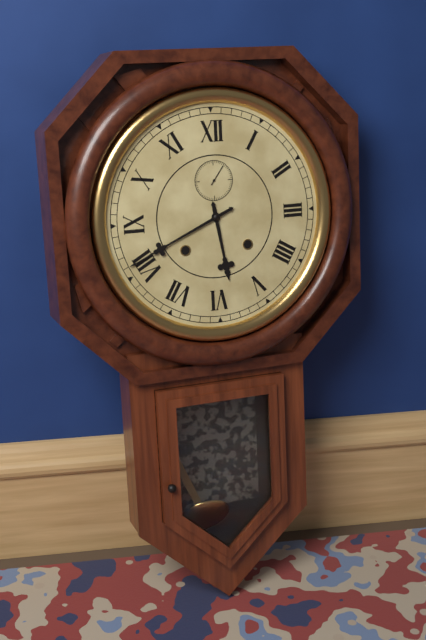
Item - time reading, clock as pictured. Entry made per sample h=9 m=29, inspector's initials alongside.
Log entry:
h=5 m=41
